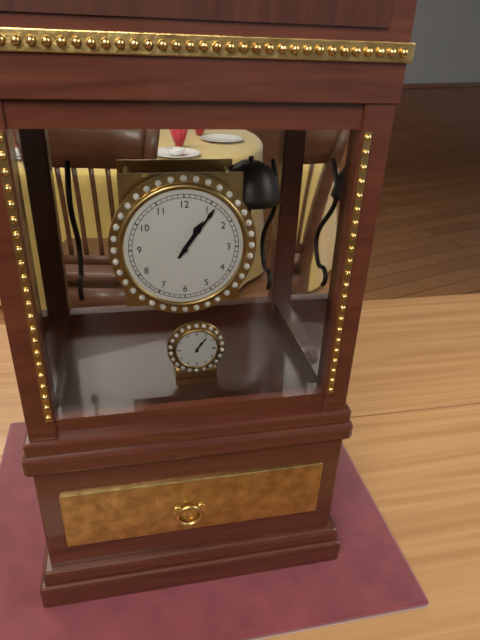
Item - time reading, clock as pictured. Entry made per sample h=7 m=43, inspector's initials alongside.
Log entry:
h=1 m=6
